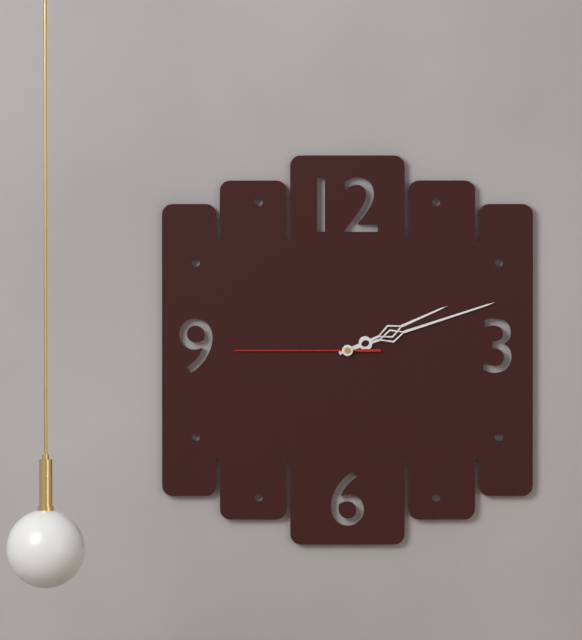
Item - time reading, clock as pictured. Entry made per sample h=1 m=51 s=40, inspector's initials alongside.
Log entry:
h=2 m=12 s=45
